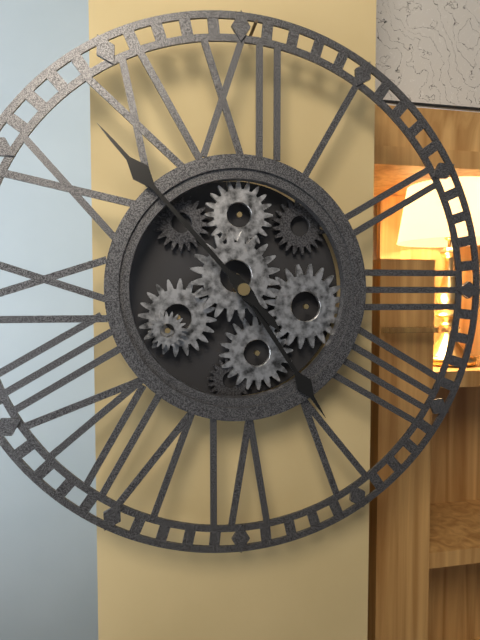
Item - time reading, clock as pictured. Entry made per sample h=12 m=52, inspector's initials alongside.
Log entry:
h=4 m=53
